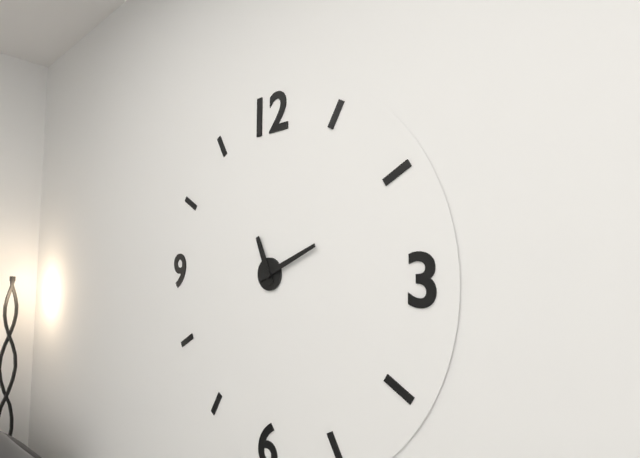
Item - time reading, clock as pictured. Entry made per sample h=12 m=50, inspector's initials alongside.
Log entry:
h=11 m=11
